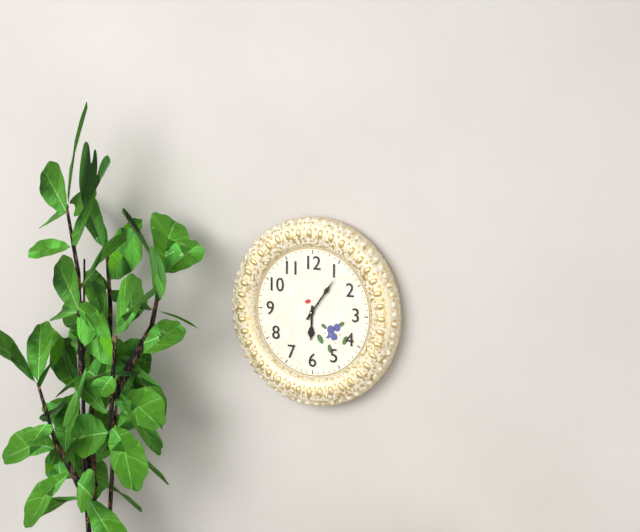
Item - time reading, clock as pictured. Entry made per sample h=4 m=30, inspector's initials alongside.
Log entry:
h=6 m=6
